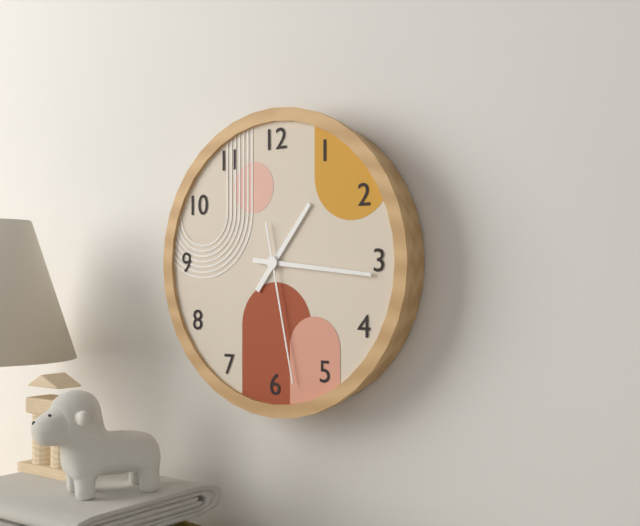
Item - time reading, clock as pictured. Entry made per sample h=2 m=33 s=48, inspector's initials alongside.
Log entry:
h=1 m=16 s=28
